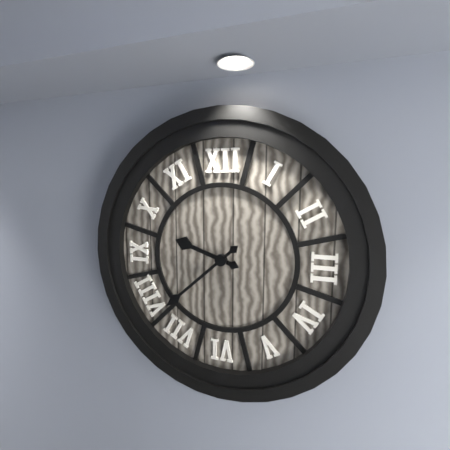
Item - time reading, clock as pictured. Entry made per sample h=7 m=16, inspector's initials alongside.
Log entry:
h=9 m=38
